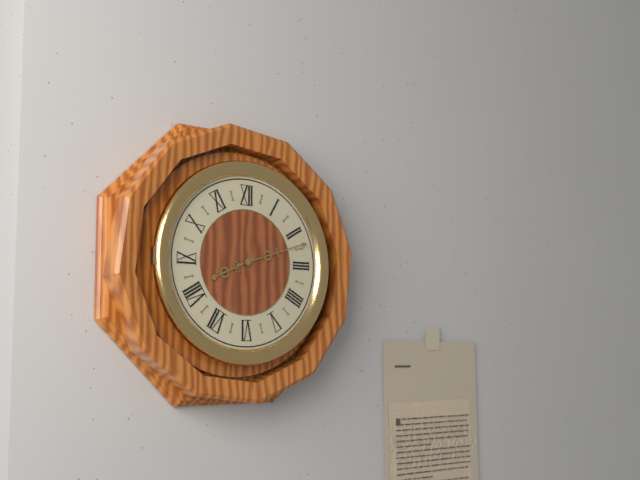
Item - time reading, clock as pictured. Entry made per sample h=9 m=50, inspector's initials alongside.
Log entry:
h=8 m=12
